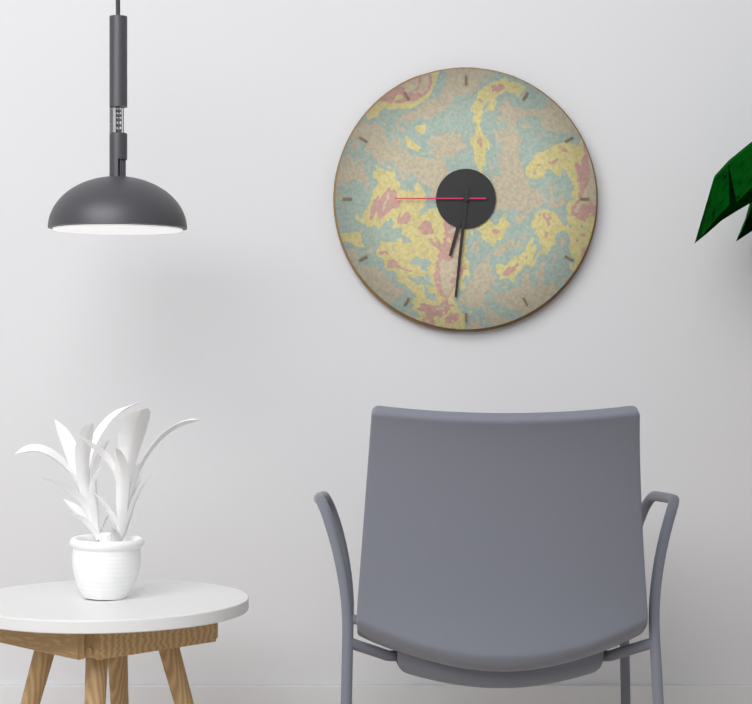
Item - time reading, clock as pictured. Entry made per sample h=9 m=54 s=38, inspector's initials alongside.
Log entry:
h=6 m=31 s=45
